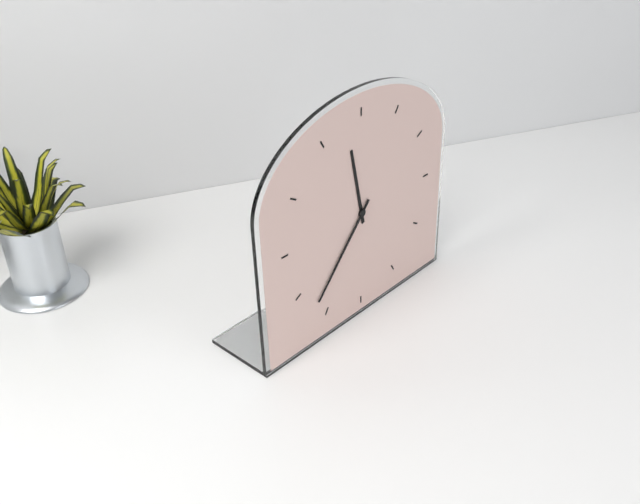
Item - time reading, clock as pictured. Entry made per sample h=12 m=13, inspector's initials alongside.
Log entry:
h=11 m=37
